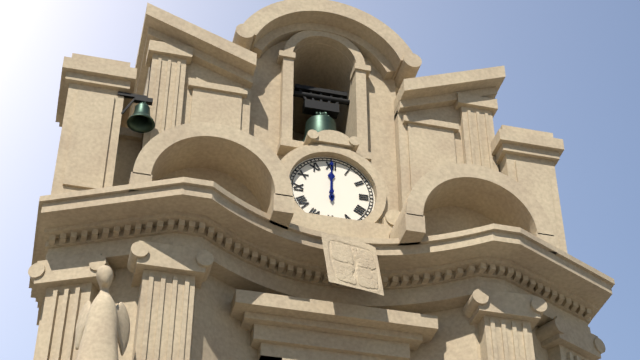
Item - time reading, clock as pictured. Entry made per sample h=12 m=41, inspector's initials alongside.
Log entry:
h=12 m=0
